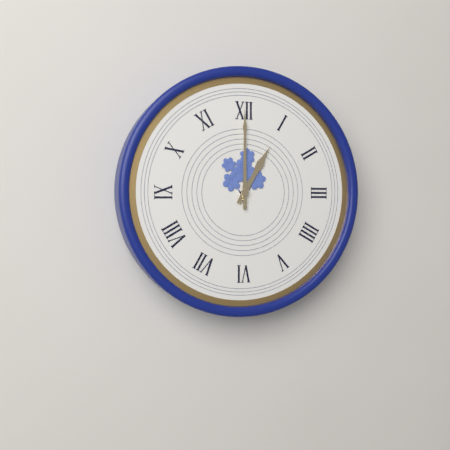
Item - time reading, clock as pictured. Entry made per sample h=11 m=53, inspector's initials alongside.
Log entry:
h=1 m=0
